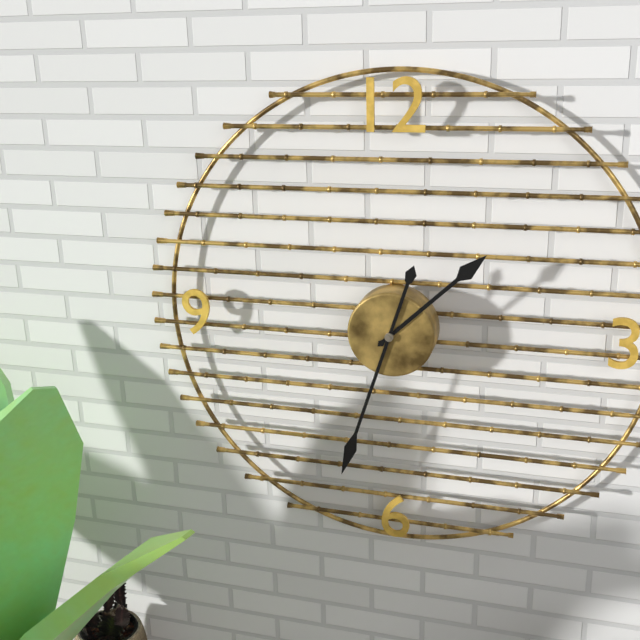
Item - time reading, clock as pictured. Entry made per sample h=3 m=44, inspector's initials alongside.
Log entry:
h=1 m=33
